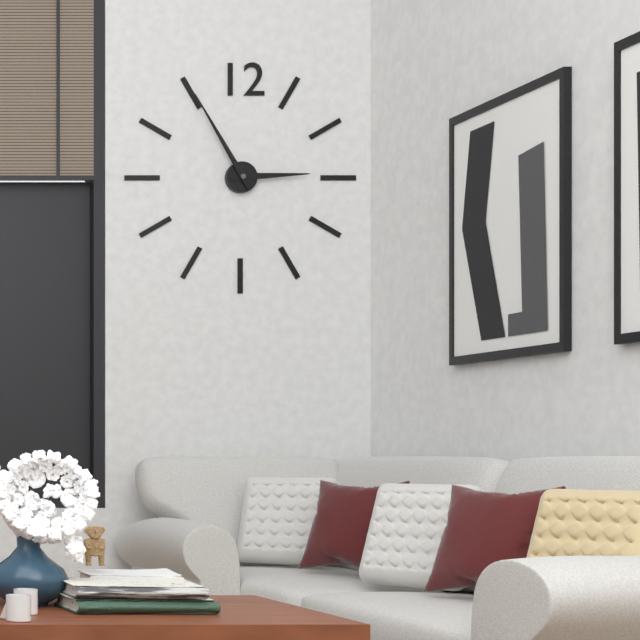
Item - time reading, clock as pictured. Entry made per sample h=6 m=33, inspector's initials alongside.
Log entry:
h=2 m=55
